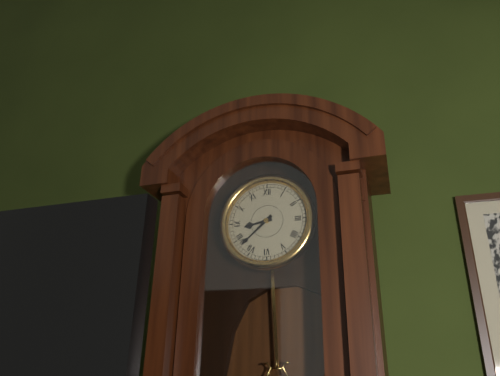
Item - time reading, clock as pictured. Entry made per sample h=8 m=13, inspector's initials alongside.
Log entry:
h=8 m=38
